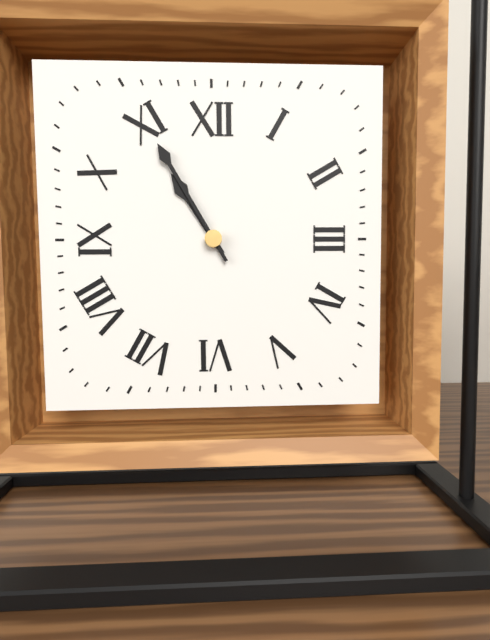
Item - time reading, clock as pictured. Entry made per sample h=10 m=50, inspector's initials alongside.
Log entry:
h=10 m=55
